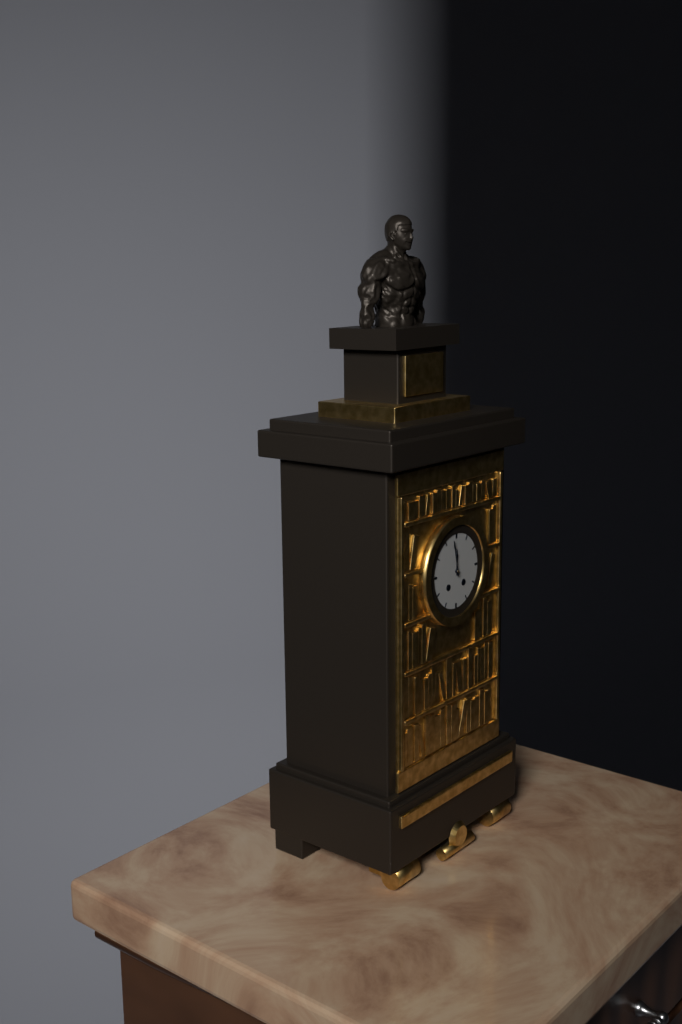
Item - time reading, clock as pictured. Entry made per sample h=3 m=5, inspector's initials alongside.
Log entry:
h=11 m=58
